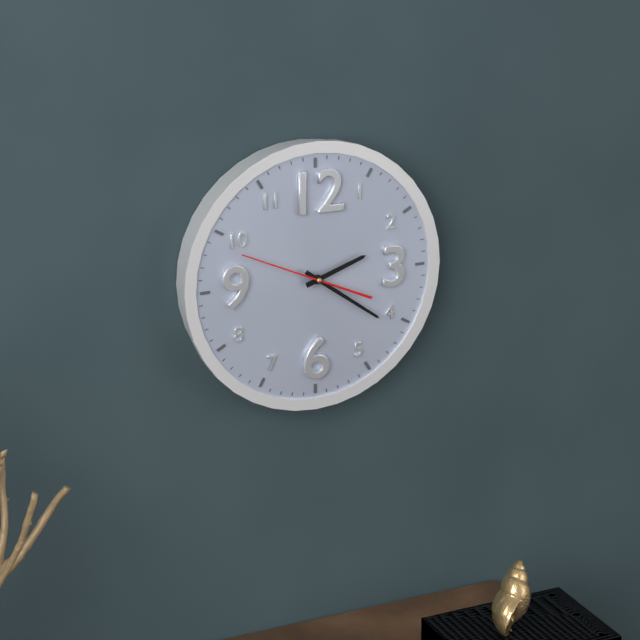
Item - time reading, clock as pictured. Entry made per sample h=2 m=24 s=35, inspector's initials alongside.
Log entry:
h=2 m=21 s=49
